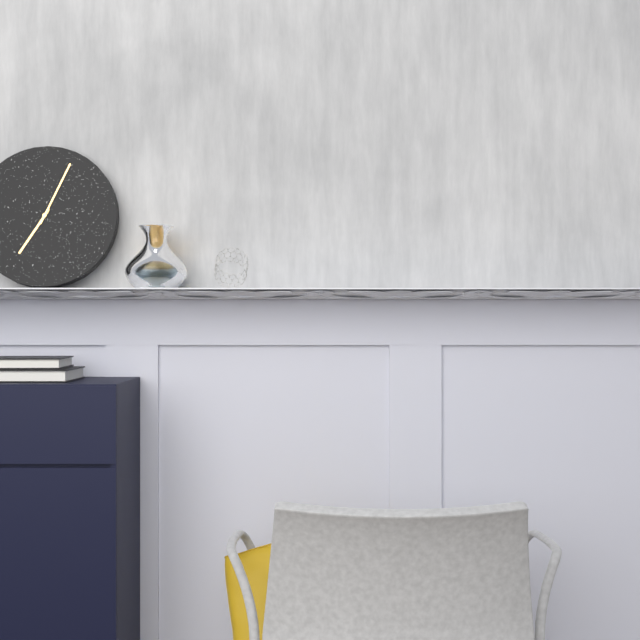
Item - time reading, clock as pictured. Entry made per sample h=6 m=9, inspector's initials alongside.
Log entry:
h=7 m=4
